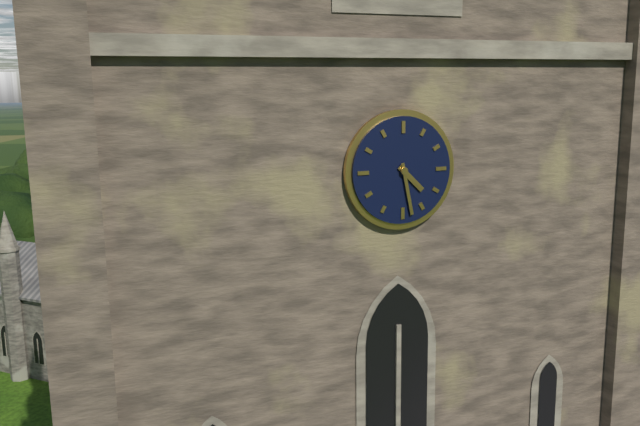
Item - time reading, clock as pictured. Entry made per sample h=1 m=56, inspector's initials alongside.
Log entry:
h=4 m=28
